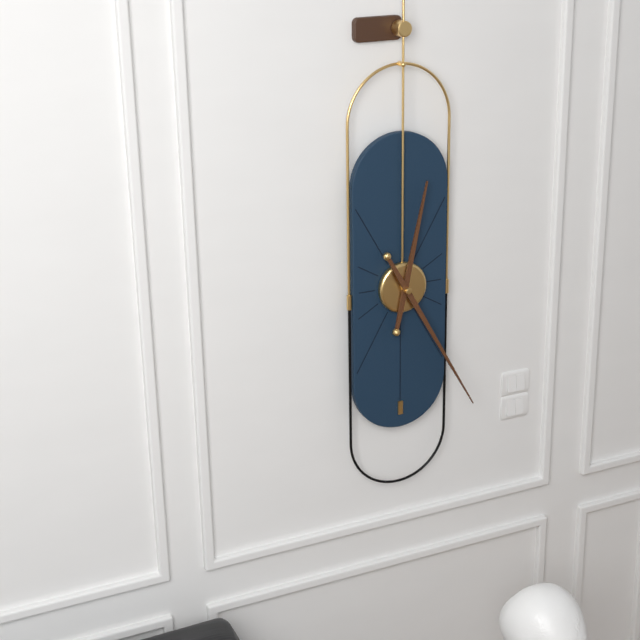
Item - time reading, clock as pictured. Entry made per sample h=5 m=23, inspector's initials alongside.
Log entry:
h=12 m=25
